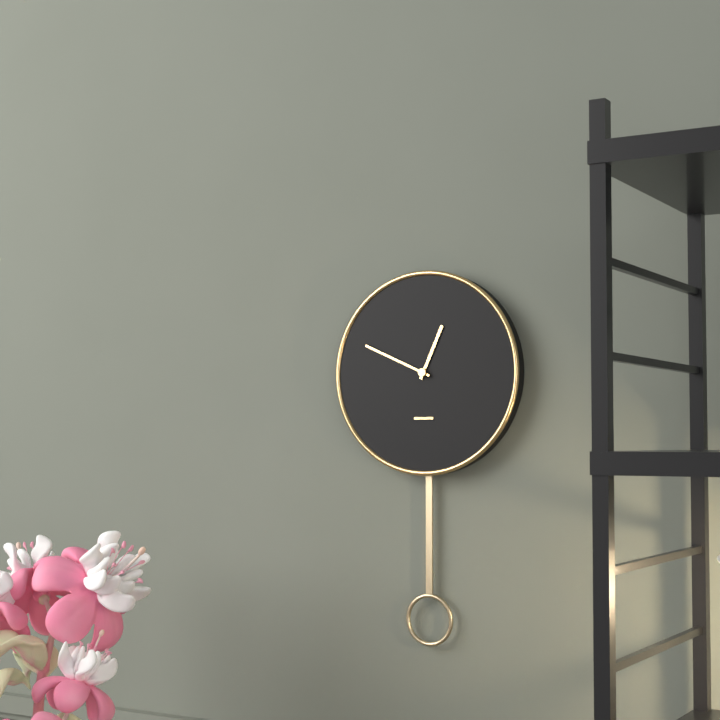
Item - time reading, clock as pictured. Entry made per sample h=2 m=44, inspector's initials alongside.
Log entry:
h=12 m=49
